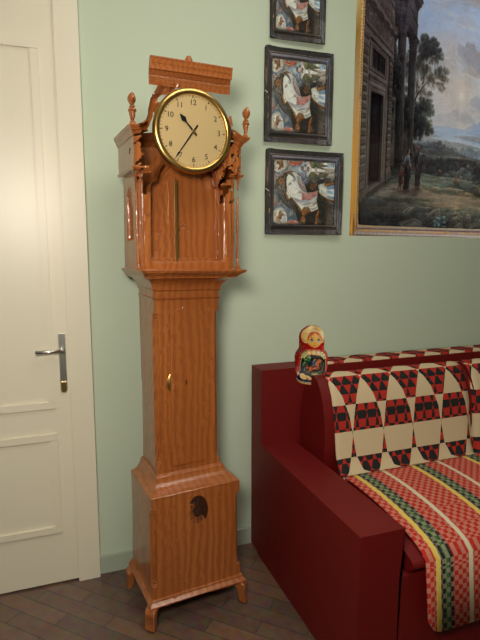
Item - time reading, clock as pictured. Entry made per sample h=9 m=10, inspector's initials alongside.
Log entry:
h=10 m=36
